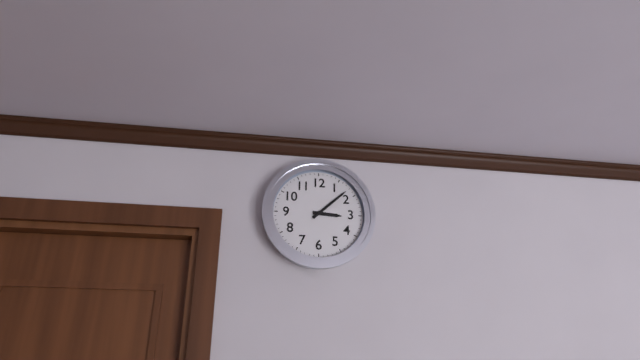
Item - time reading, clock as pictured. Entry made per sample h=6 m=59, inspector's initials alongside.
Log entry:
h=3 m=8
